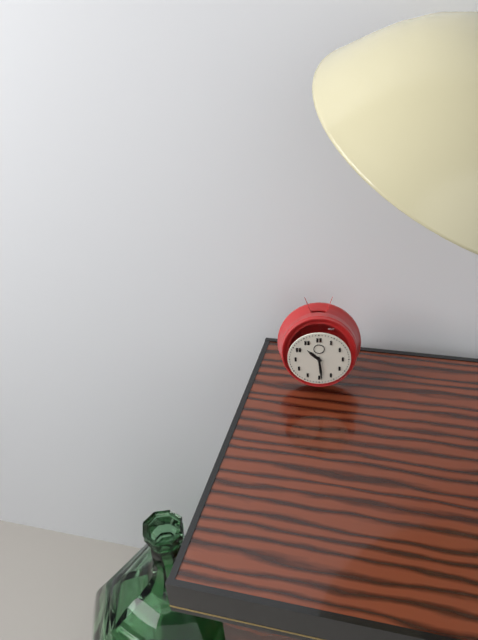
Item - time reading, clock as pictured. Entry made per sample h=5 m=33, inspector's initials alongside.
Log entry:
h=10 m=29
